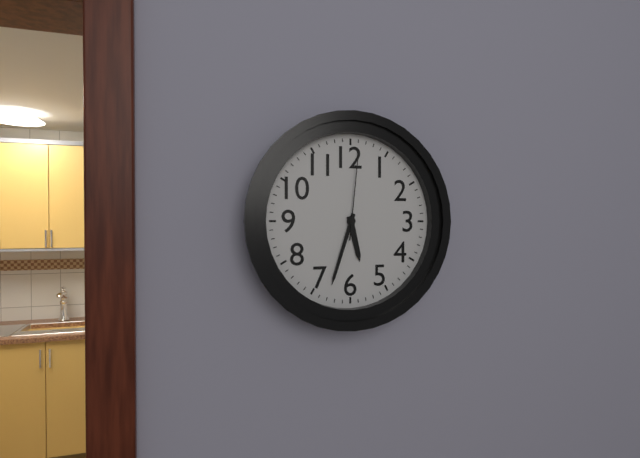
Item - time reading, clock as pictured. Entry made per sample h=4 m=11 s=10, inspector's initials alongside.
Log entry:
h=5 m=33 s=1
